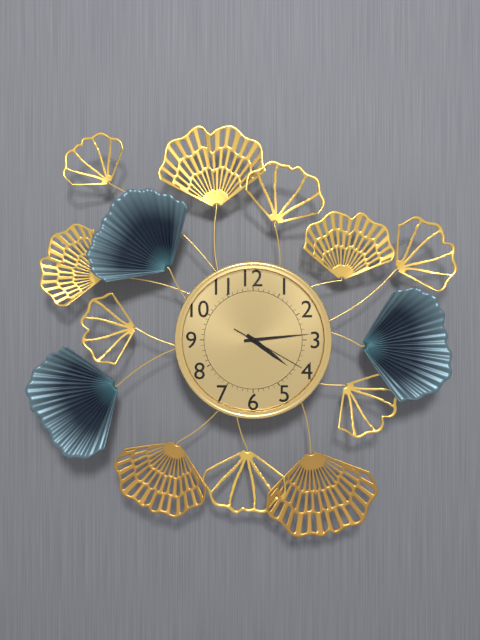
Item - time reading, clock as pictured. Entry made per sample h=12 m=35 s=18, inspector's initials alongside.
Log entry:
h=4 m=14 s=20
